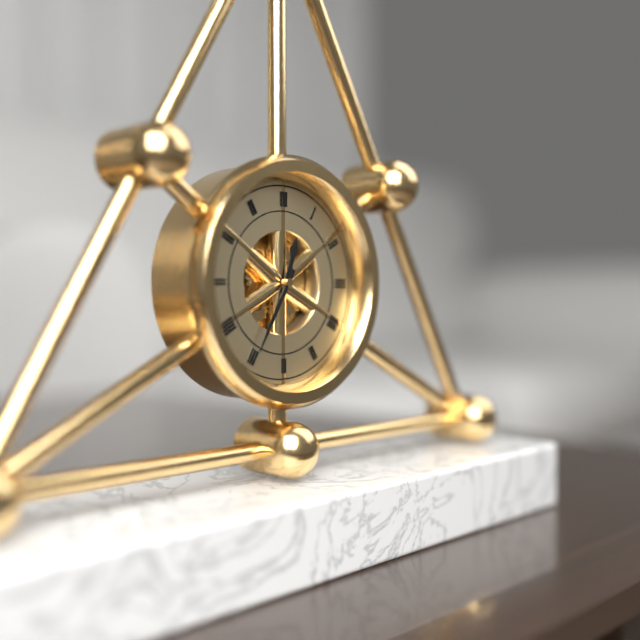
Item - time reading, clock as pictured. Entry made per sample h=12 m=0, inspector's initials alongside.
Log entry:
h=12 m=35
